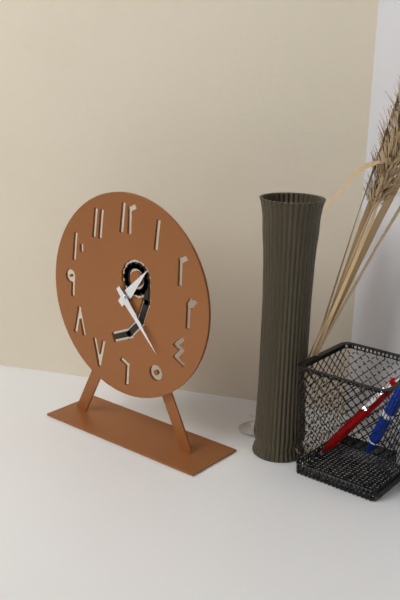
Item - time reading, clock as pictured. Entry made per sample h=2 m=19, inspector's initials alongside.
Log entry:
h=1 m=23
